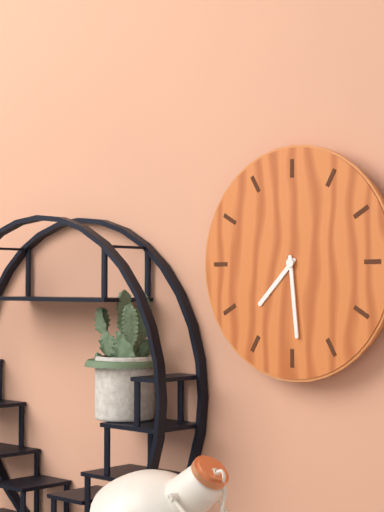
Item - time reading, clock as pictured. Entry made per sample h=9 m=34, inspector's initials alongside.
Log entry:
h=7 m=29
